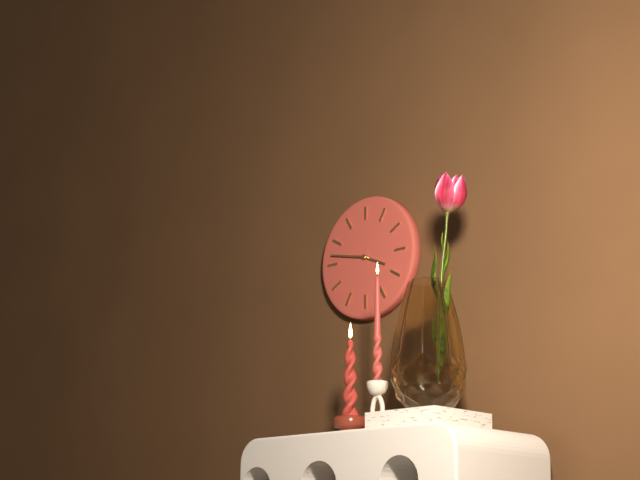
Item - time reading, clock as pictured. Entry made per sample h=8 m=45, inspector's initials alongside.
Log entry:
h=3 m=47
